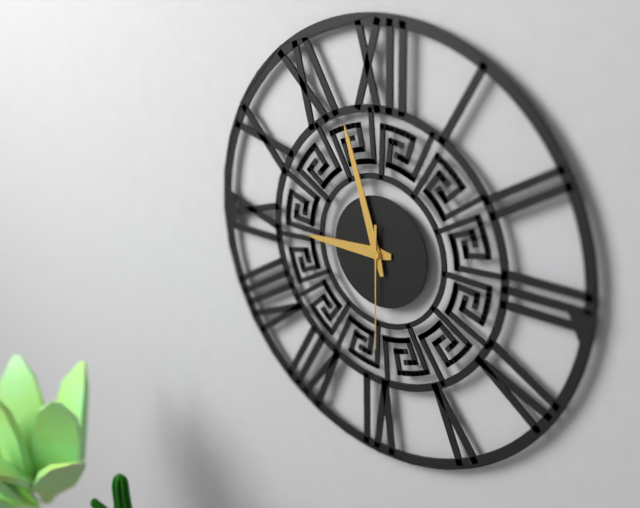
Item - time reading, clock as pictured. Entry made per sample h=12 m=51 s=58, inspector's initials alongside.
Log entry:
h=8 m=57 s=30
